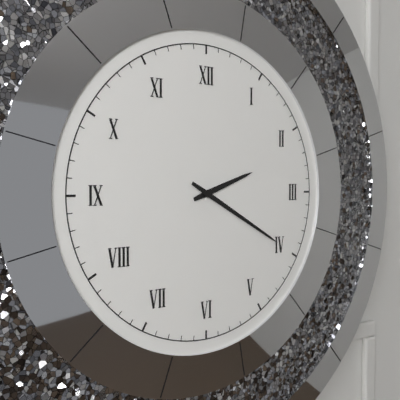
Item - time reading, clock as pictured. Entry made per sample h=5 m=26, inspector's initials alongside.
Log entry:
h=2 m=20
